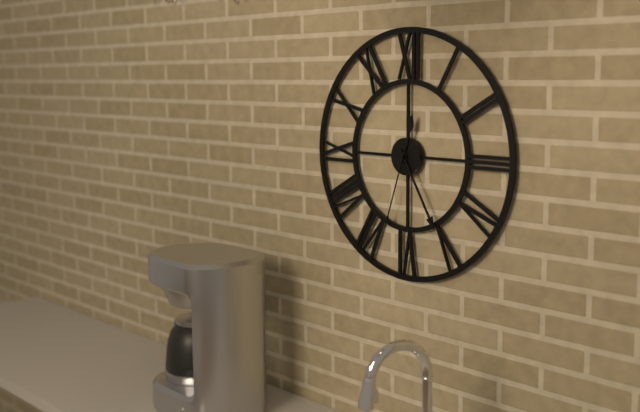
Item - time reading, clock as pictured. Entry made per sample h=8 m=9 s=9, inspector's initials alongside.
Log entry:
h=12 m=25 s=33
